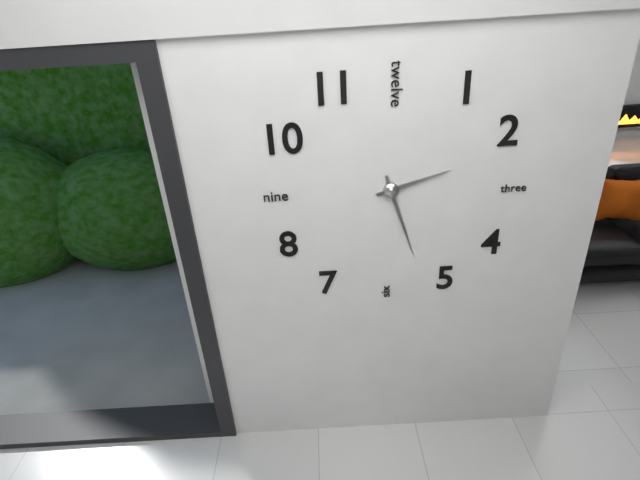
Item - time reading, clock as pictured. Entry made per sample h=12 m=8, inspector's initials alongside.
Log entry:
h=2 m=27
